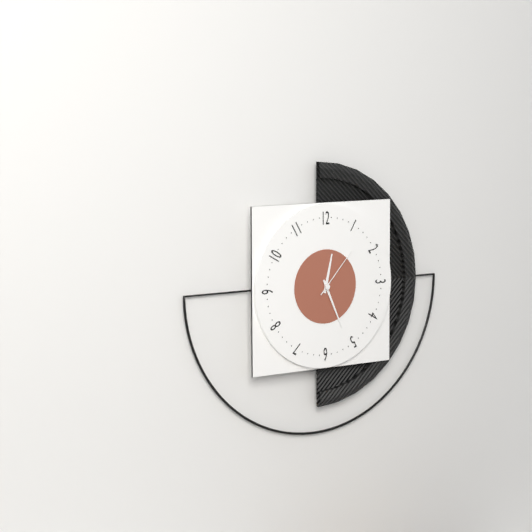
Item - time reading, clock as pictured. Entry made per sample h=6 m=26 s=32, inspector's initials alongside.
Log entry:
h=12 m=26 s=7
